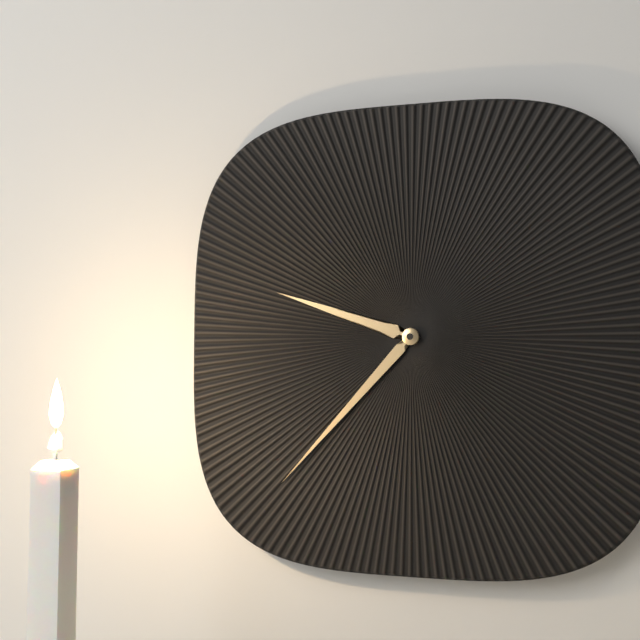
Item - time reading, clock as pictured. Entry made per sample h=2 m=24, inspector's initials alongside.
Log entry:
h=9 m=37
